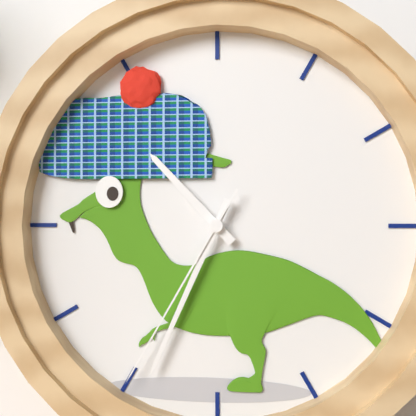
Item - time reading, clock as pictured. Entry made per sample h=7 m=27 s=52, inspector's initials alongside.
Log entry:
h=10 m=34 s=35
